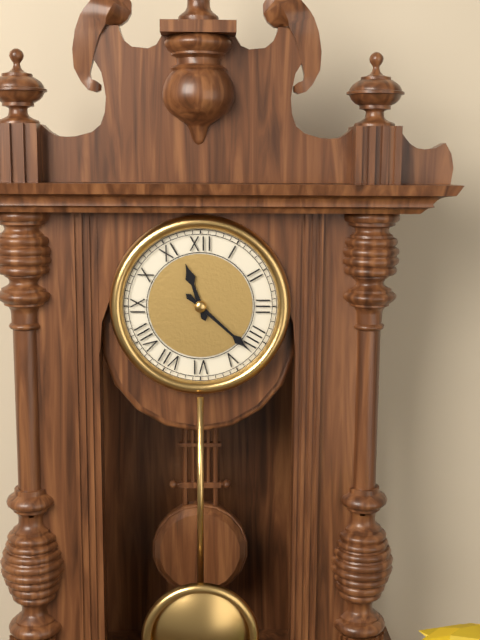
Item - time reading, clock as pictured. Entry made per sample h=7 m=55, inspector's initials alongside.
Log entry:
h=11 m=22
